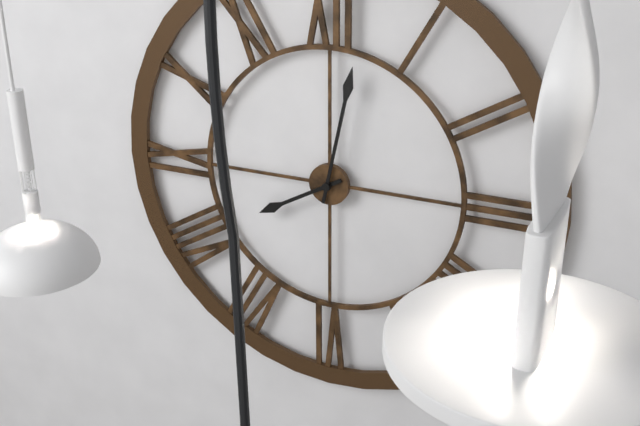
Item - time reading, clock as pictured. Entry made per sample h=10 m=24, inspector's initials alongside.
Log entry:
h=8 m=2
